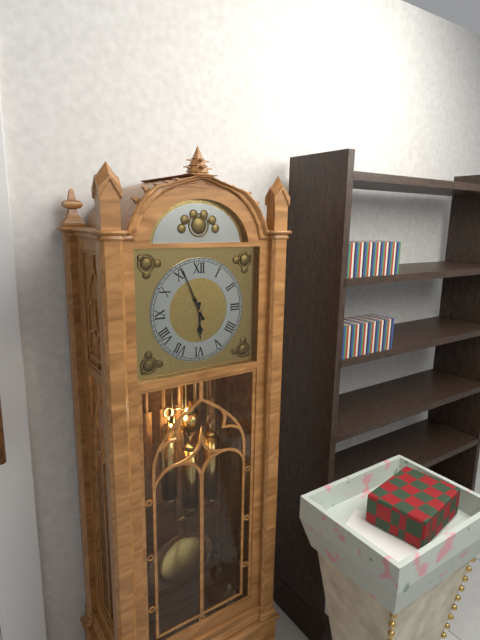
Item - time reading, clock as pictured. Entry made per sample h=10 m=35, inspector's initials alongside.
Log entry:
h=5 m=56
